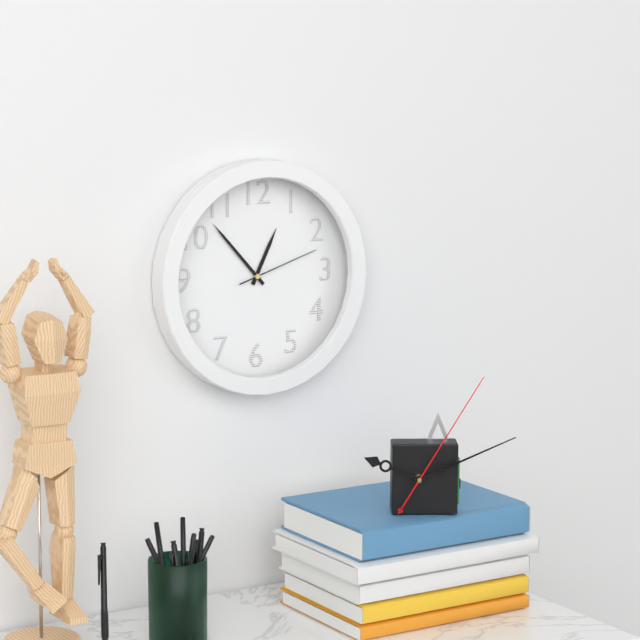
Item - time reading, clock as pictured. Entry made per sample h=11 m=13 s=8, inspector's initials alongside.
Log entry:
h=12 m=53 s=12
